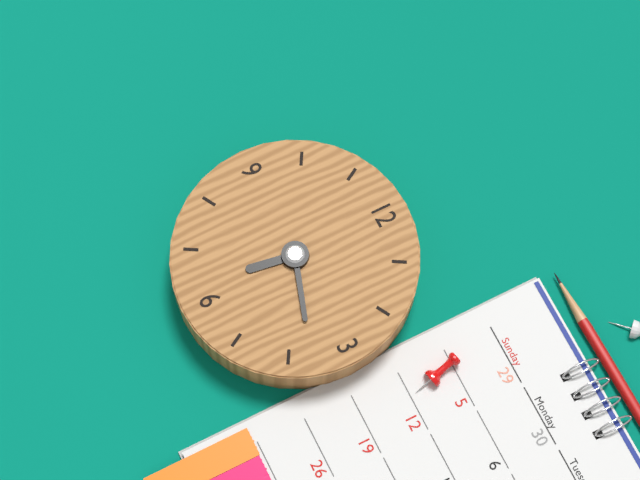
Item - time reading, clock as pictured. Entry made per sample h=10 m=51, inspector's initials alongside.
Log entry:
h=6 m=18
